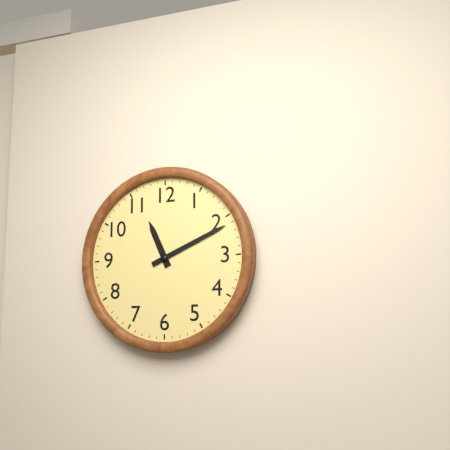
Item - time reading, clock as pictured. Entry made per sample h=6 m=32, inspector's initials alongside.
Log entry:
h=11 m=11
